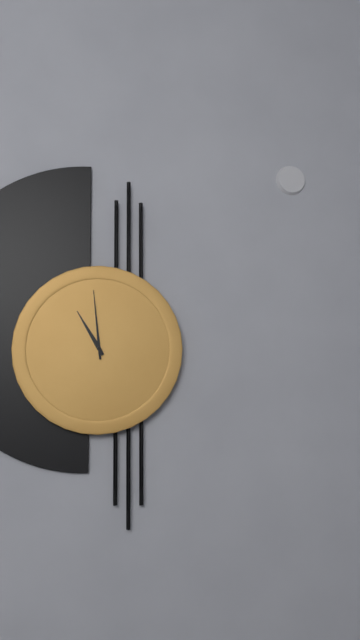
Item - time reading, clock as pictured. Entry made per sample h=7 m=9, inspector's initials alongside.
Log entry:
h=10 m=59
